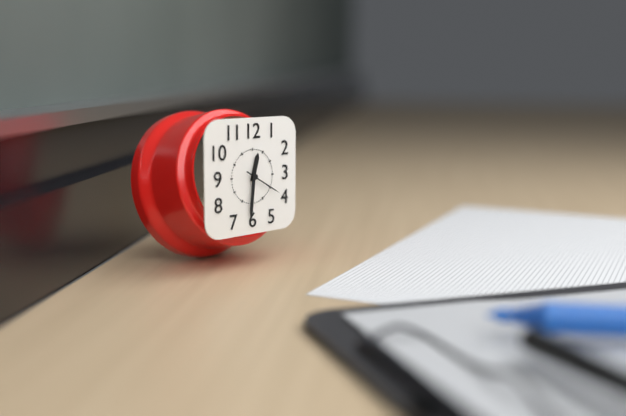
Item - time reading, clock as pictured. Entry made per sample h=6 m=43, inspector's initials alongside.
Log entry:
h=12 m=31
